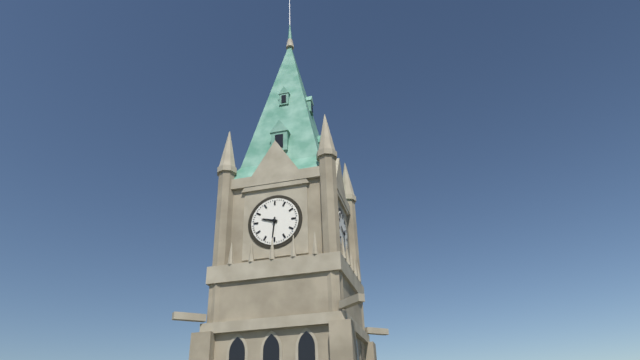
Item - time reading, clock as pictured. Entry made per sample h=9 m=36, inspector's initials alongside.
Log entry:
h=9 m=31
